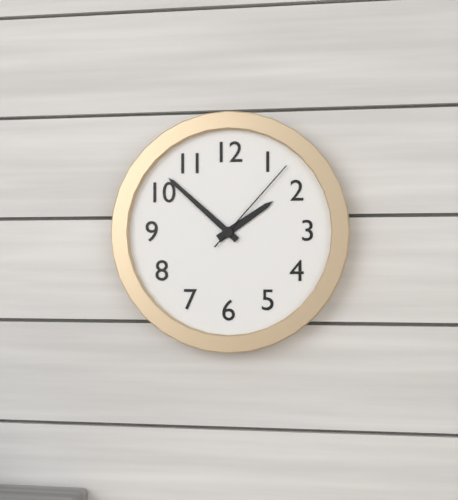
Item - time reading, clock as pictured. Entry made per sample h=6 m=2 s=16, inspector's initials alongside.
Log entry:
h=1 m=52 s=7
